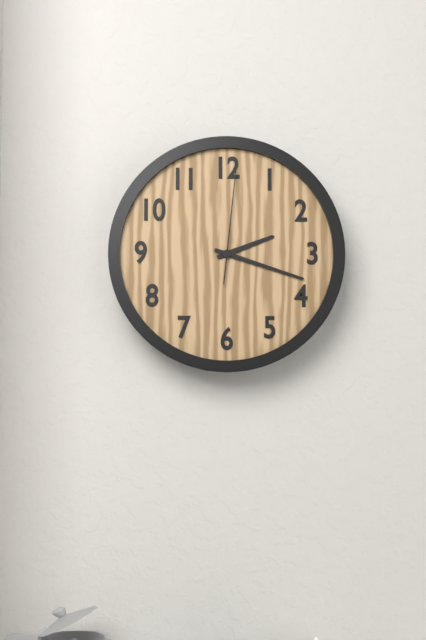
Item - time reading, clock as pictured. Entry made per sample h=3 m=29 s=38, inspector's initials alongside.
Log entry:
h=2 m=18 s=1
